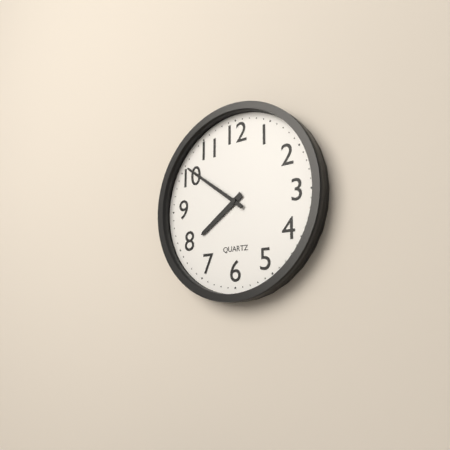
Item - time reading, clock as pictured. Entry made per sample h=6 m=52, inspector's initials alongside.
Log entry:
h=7 m=51
